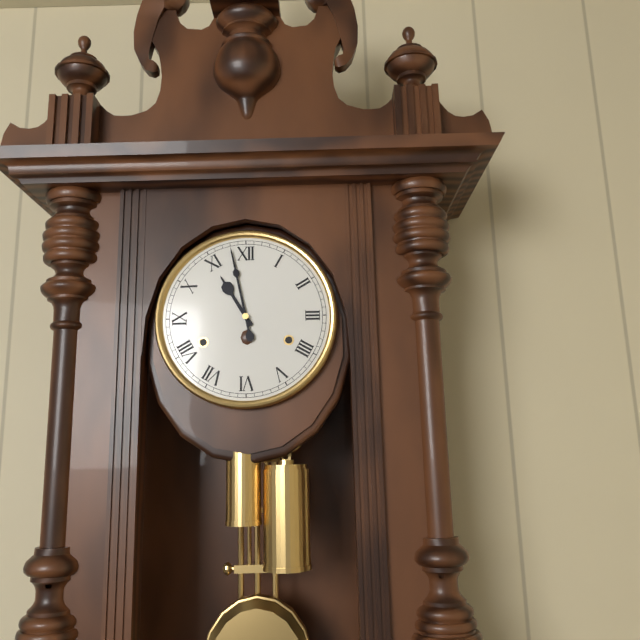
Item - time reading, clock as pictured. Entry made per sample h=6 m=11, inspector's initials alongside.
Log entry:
h=10 m=58
